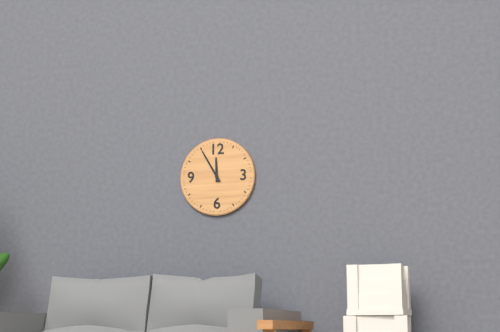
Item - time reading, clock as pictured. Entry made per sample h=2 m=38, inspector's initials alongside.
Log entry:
h=11 m=55
